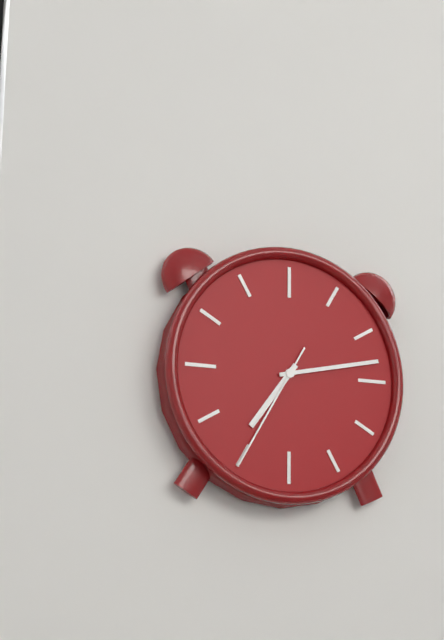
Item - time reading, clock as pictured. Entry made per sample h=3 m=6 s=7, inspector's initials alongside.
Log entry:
h=7 m=13 s=35
